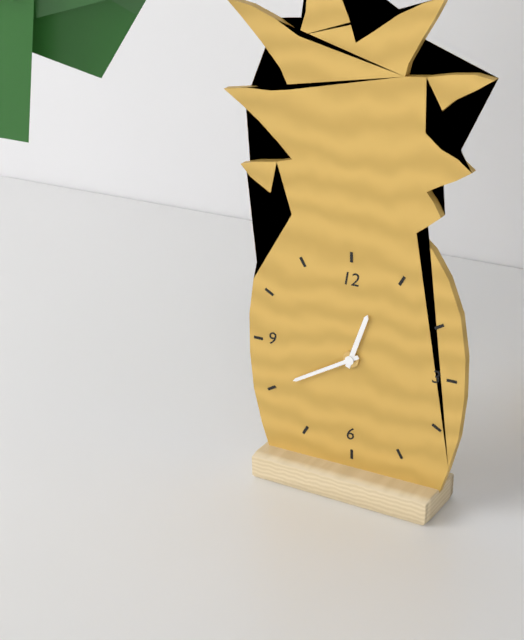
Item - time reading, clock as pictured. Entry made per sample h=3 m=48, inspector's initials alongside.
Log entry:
h=12 m=40
